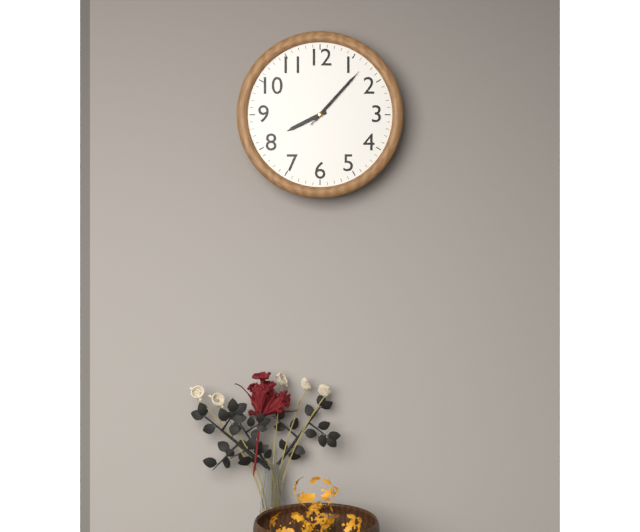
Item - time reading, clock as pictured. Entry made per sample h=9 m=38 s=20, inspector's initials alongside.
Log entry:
h=8 m=7 s=7
